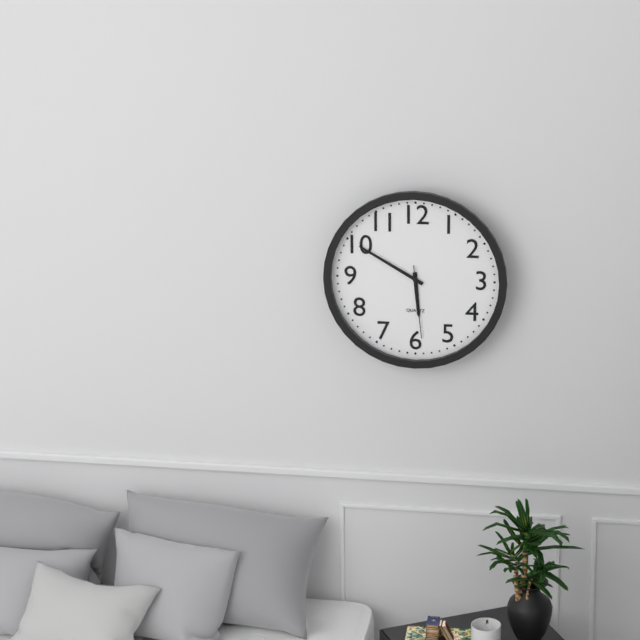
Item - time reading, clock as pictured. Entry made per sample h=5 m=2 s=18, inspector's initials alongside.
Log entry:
h=5 m=50 s=29
